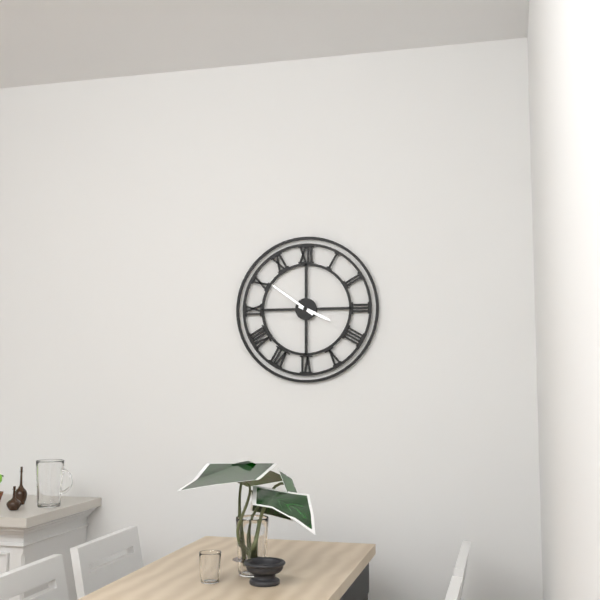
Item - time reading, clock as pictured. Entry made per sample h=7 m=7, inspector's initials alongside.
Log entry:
h=3 m=51
